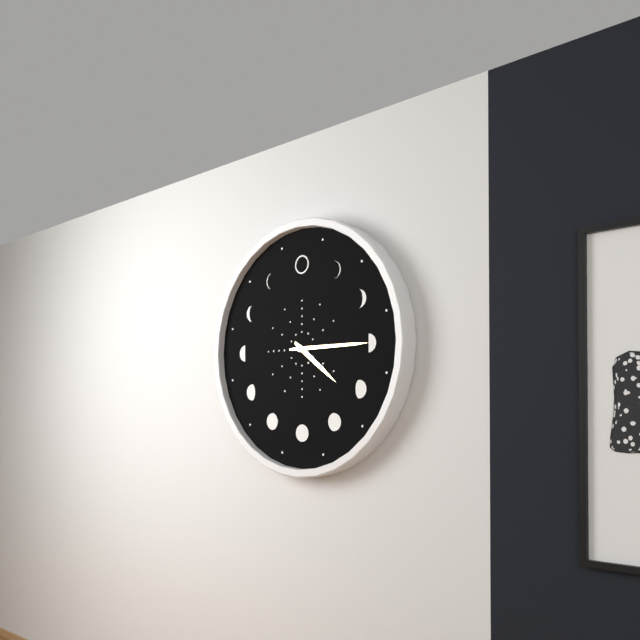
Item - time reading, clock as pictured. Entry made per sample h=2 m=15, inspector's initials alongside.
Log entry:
h=4 m=15
